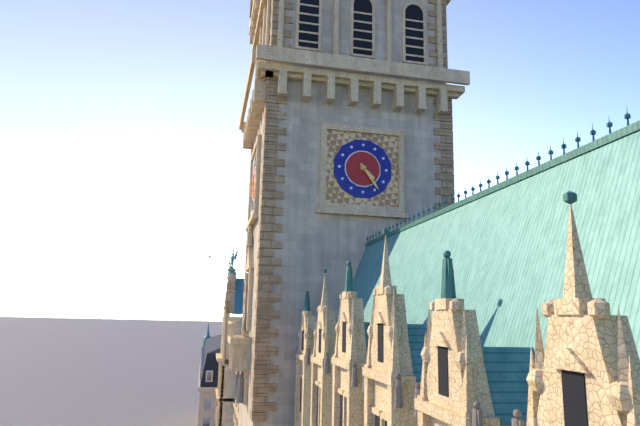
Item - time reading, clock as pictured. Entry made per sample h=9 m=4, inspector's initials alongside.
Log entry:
h=4 m=24
